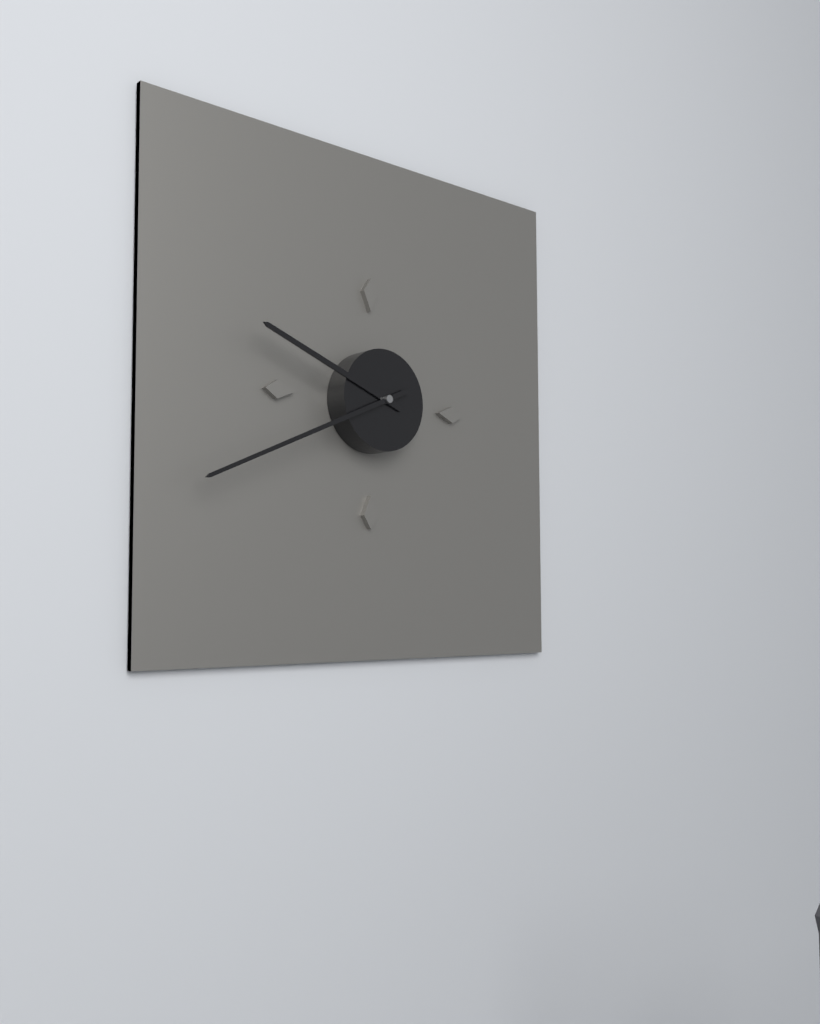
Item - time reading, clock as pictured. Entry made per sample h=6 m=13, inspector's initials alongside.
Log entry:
h=9 m=41
